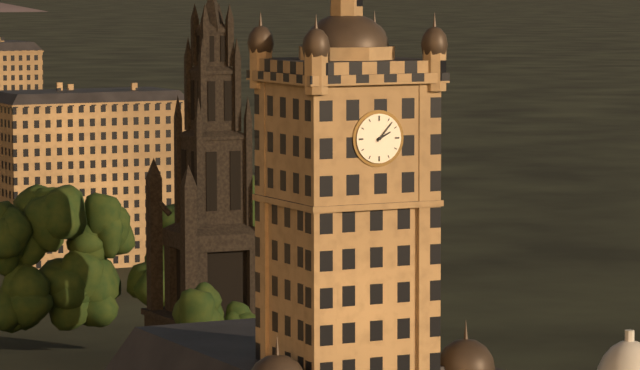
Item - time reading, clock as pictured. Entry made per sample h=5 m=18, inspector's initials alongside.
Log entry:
h=2 m=7
